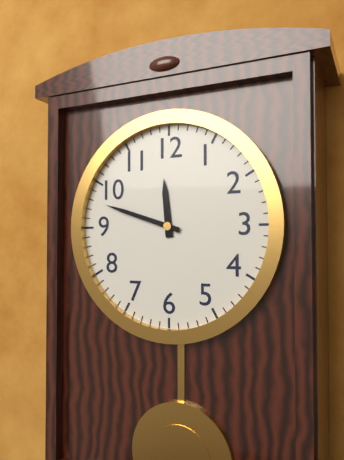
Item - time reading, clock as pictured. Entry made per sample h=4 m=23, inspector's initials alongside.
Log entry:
h=11 m=48
